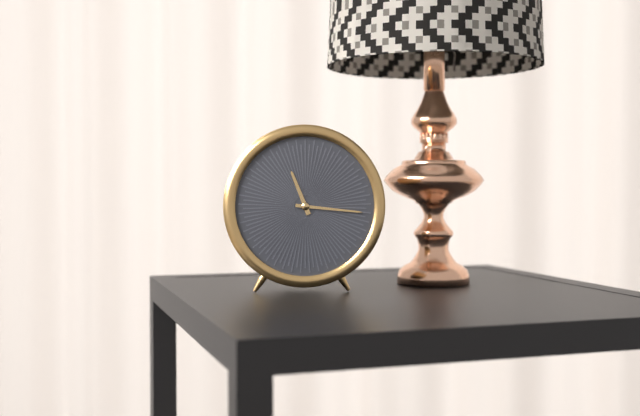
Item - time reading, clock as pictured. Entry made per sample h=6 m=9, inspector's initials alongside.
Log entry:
h=11 m=16
